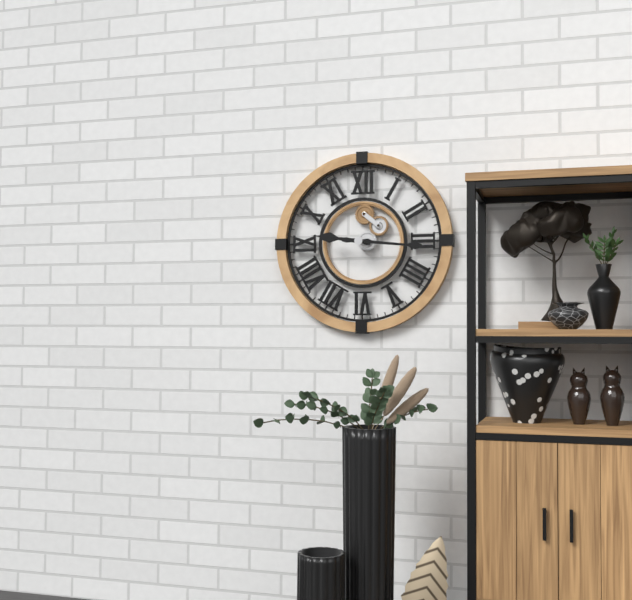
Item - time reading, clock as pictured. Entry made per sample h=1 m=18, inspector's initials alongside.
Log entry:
h=9 m=16
